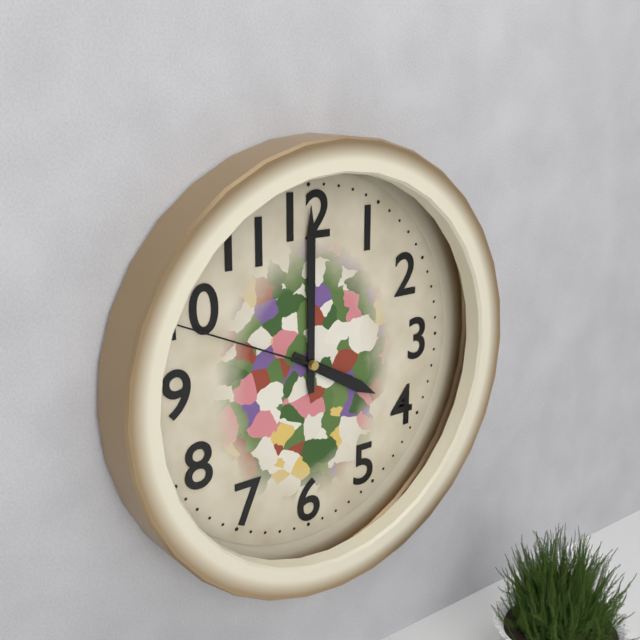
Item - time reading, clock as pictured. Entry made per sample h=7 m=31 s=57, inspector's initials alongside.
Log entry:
h=4 m=0 s=49
